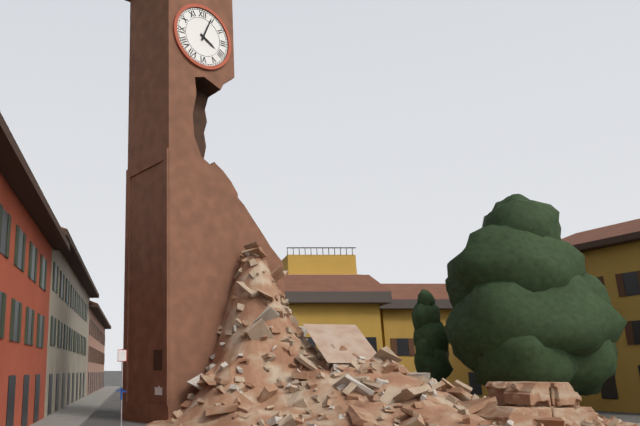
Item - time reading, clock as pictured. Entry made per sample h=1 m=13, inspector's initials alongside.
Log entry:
h=4 m=4
